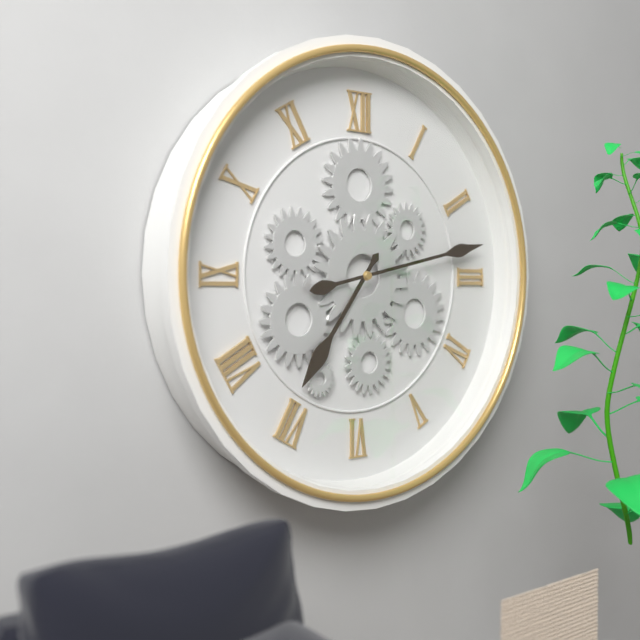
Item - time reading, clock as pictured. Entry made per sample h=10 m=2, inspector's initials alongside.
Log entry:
h=7 m=13
